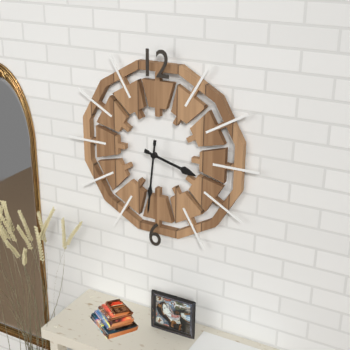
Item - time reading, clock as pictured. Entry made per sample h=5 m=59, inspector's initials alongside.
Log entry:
h=3 m=31
